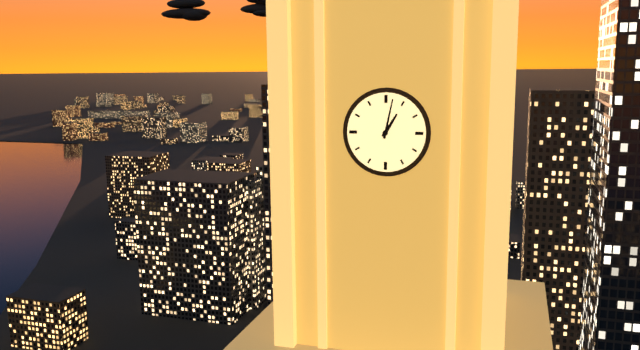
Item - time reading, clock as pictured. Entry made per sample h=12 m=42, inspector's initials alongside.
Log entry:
h=1 m=2
